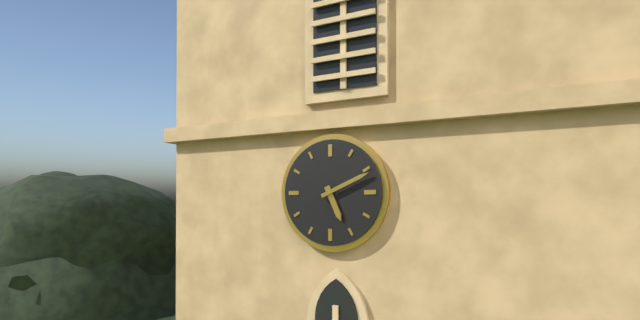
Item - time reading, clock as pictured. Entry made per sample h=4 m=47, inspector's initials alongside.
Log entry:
h=5 m=11
